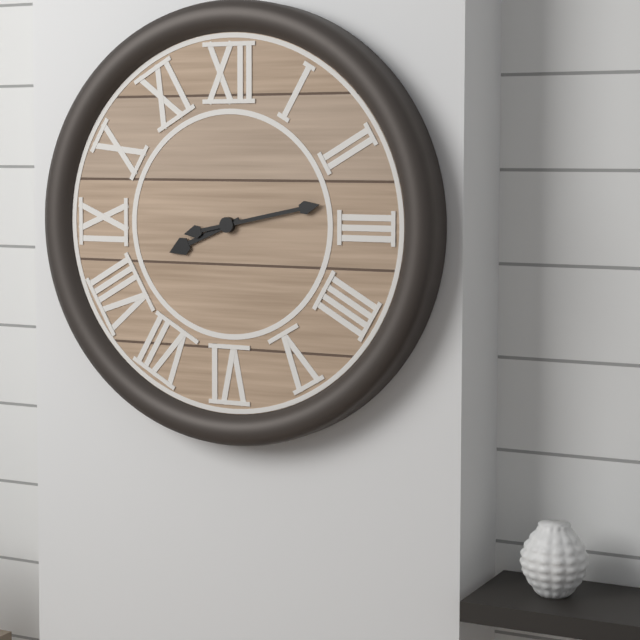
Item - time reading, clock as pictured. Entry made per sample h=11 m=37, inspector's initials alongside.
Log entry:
h=8 m=13
